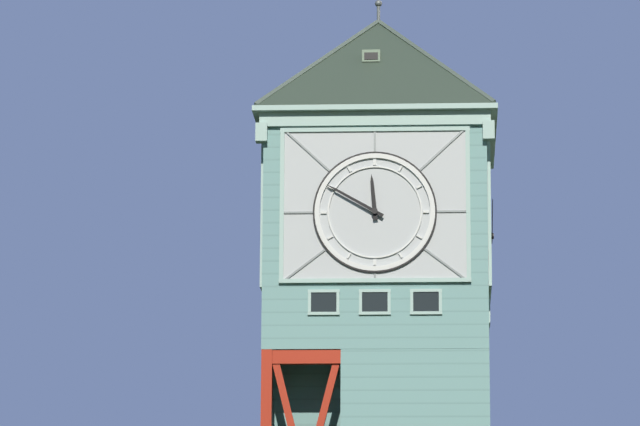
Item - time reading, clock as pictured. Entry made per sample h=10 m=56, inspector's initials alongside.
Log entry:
h=11 m=50
